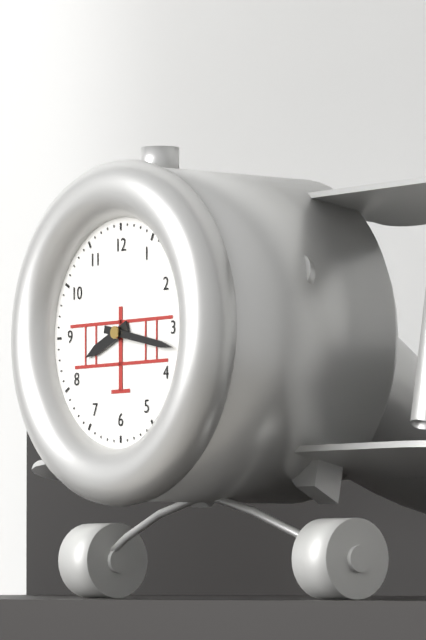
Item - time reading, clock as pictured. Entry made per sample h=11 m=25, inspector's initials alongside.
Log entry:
h=8 m=17
